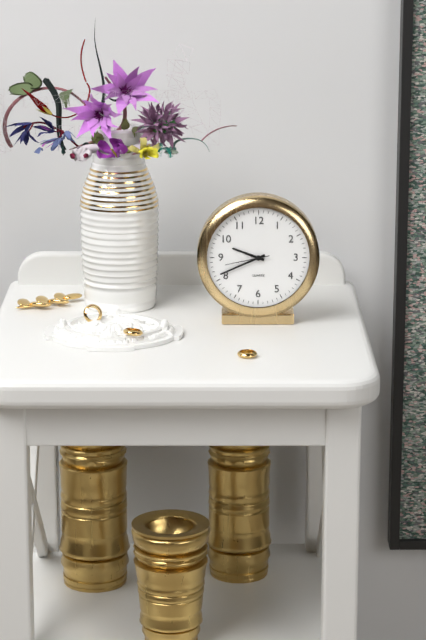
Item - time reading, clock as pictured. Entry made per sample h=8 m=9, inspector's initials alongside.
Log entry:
h=9 m=41
